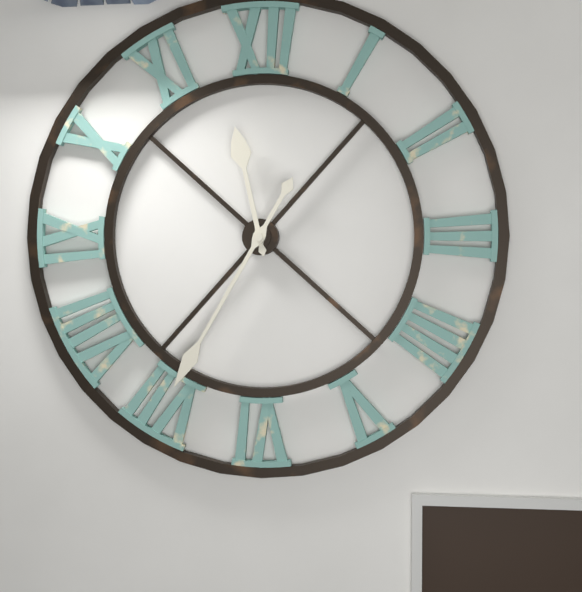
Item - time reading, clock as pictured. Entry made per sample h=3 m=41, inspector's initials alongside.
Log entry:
h=11 m=35
